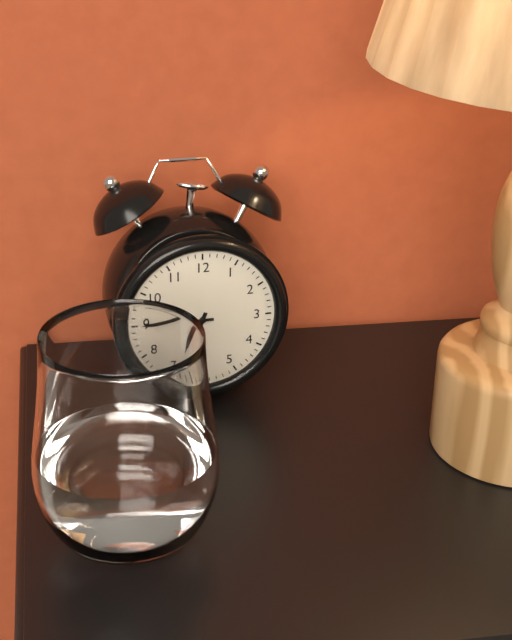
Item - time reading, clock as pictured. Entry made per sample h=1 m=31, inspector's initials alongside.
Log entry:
h=6 m=45
